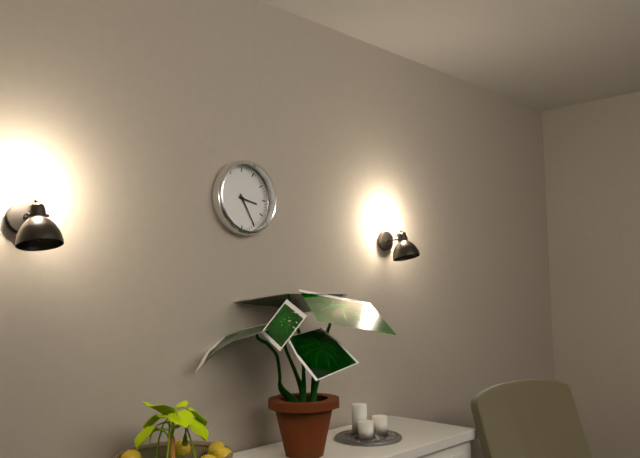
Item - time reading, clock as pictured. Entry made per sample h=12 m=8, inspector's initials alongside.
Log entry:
h=3 m=25
